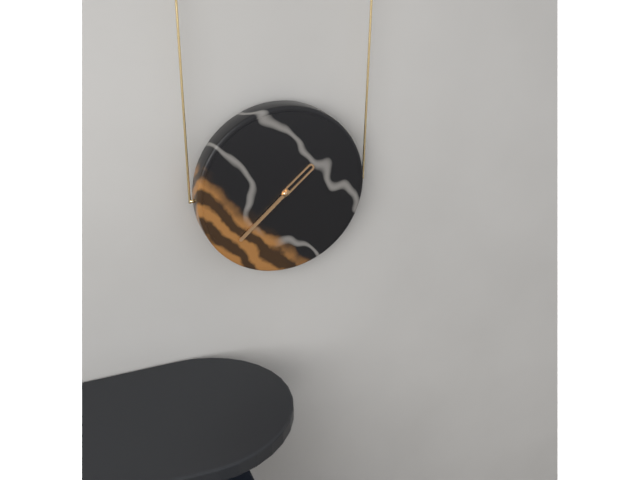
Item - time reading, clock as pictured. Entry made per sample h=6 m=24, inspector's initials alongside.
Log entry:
h=1 m=38
